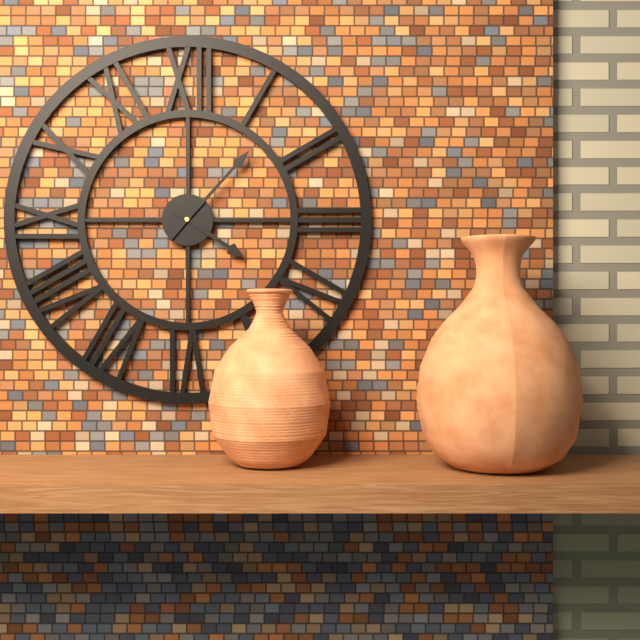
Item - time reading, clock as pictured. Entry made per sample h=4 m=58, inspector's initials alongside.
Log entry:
h=4 m=7
